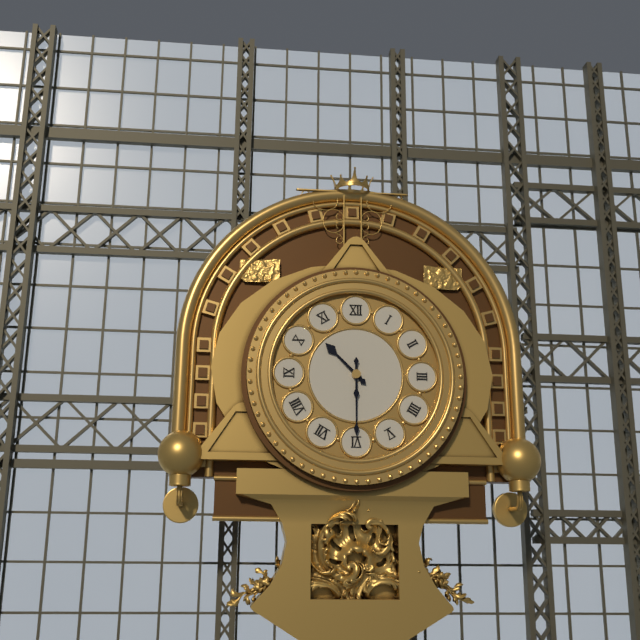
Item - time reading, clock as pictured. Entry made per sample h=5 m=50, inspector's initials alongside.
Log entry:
h=10 m=30
